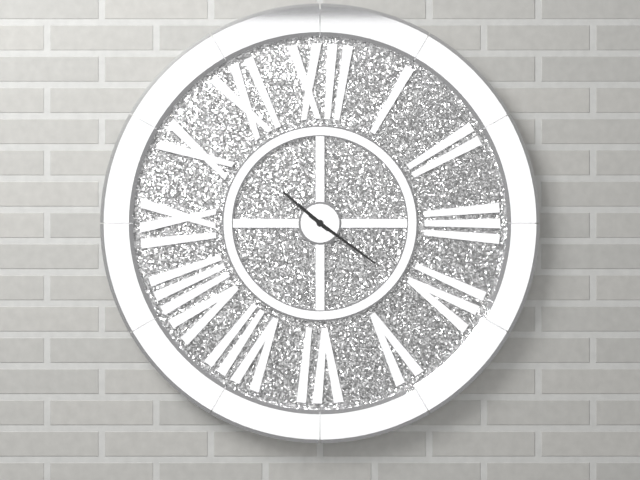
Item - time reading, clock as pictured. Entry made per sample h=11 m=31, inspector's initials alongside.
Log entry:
h=10 m=21
